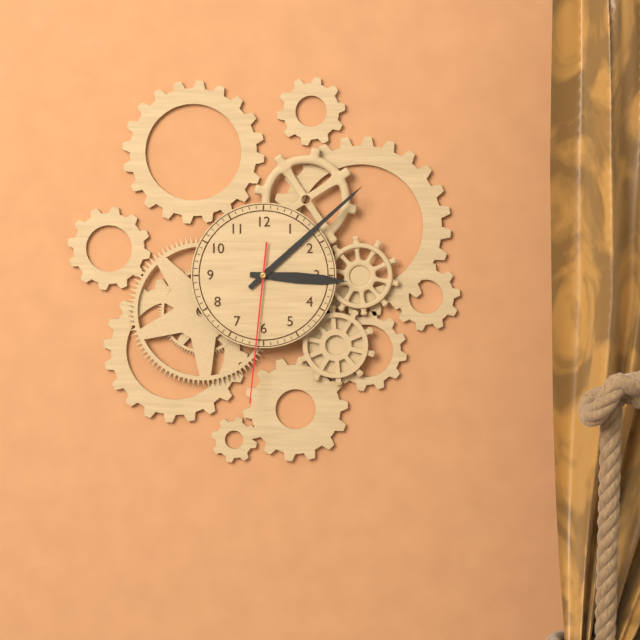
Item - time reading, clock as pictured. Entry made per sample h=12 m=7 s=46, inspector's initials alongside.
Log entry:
h=3 m=8 s=31
